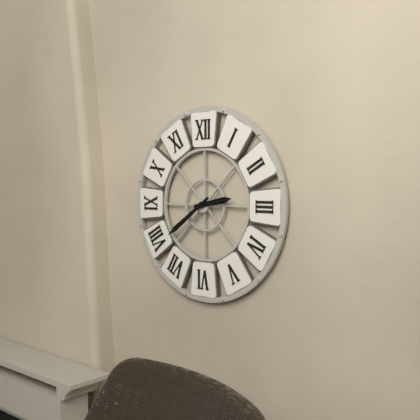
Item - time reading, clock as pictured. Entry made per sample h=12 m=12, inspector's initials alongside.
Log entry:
h=2 m=39
